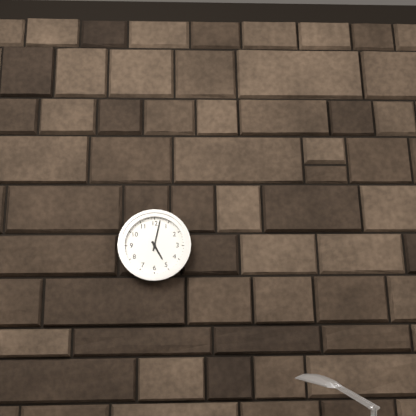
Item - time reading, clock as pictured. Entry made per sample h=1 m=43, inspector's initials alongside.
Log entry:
h=5 m=2
